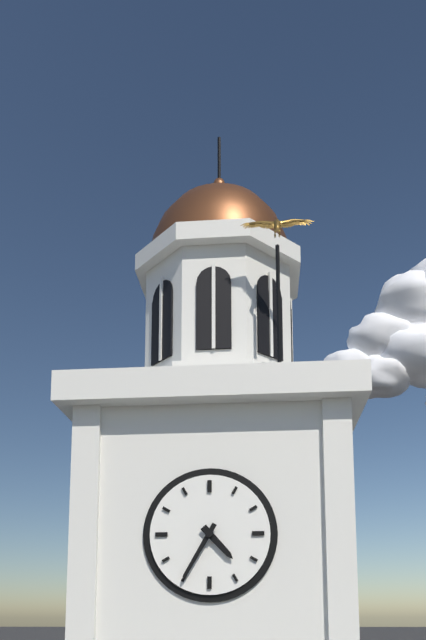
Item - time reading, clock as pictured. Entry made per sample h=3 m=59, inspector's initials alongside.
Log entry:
h=4 m=35
